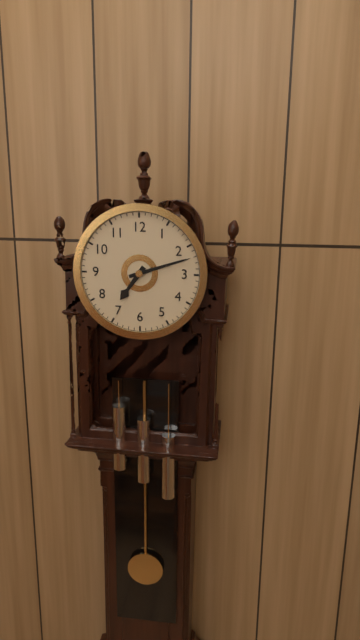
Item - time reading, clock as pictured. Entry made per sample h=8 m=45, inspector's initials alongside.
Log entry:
h=7 m=12
